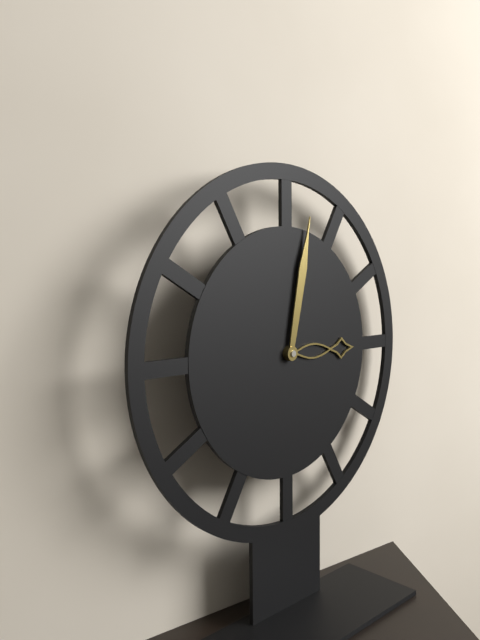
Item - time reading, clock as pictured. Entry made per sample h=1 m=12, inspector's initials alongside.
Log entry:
h=3 m=2
